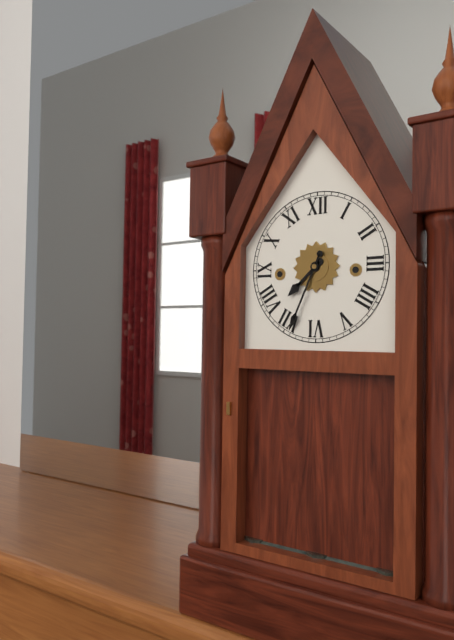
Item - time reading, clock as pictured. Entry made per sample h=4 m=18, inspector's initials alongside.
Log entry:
h=7 m=34
